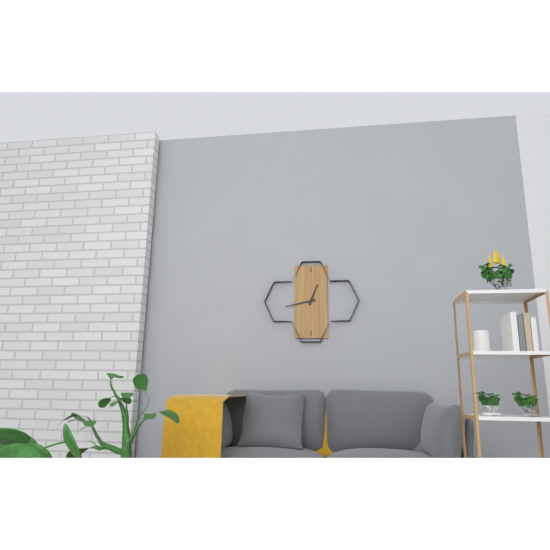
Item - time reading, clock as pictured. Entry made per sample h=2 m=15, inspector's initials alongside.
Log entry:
h=12 m=43
